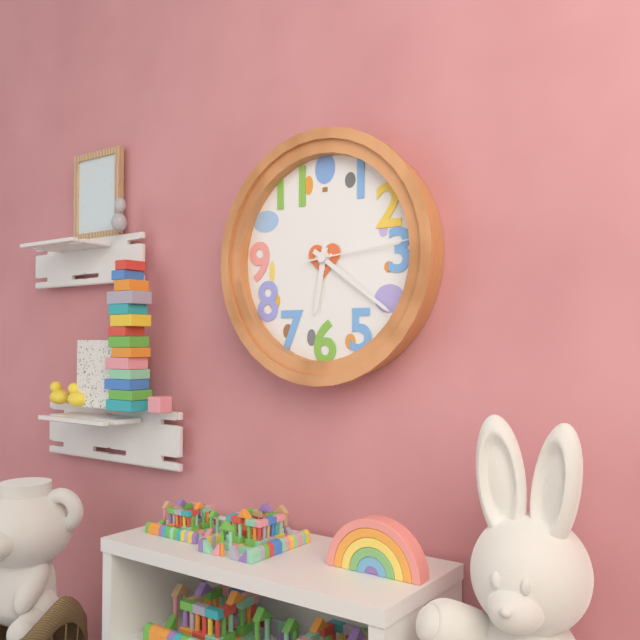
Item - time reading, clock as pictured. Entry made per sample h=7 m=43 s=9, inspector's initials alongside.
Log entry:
h=6 m=21 s=14
